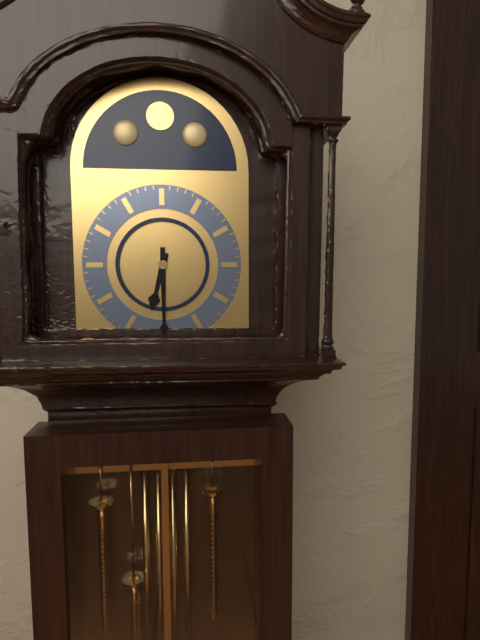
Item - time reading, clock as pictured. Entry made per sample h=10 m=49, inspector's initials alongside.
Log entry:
h=6 m=30
